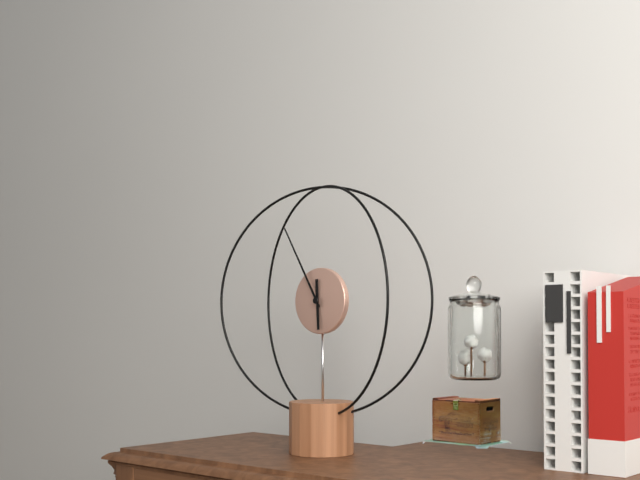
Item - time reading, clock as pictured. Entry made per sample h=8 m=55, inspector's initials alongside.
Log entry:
h=5 m=55
